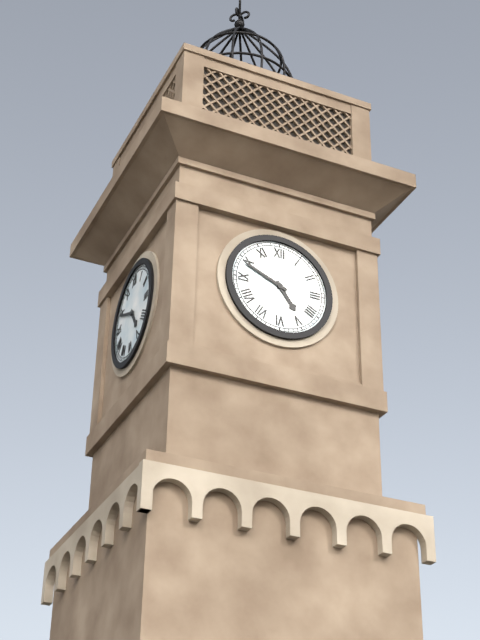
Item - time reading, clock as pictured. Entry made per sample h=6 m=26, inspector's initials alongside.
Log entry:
h=4 m=49
